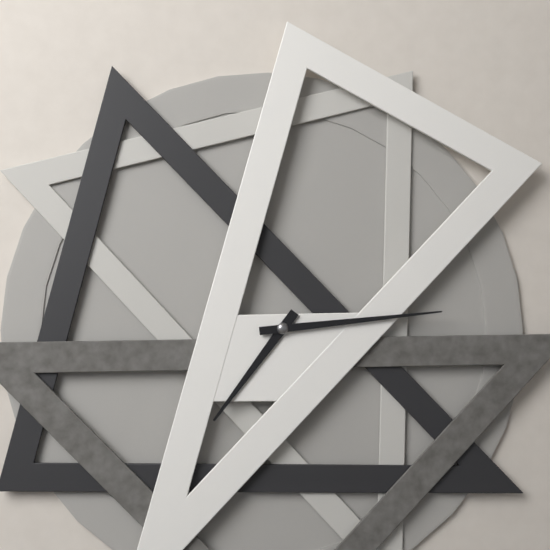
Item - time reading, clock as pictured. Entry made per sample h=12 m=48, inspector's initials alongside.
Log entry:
h=7 m=14
